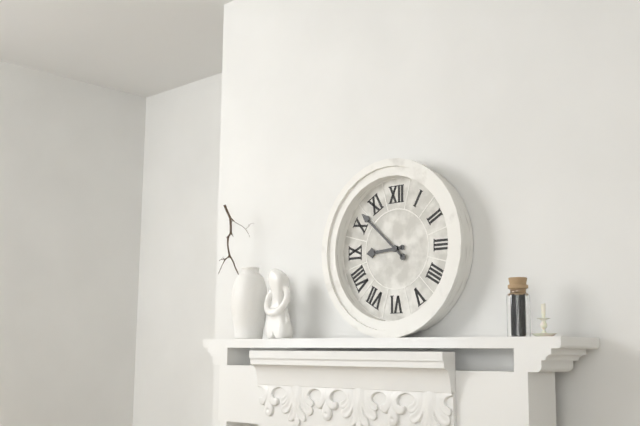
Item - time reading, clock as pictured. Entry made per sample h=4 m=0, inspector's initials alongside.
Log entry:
h=8 m=52
